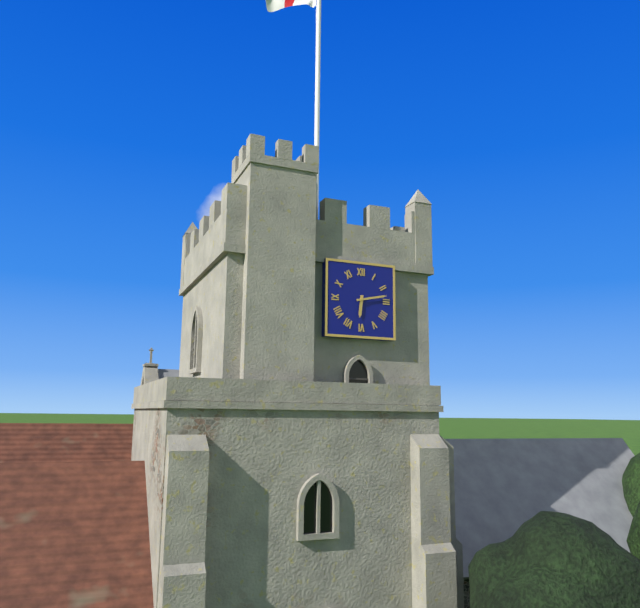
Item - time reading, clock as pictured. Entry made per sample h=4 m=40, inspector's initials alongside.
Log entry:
h=6 m=13
